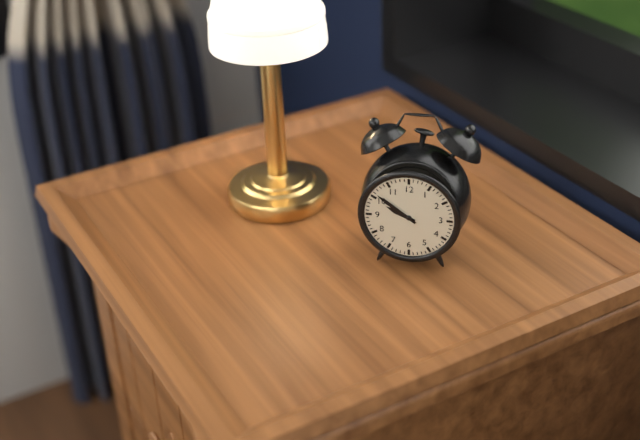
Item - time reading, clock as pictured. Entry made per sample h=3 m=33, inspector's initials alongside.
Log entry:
h=9 m=51
